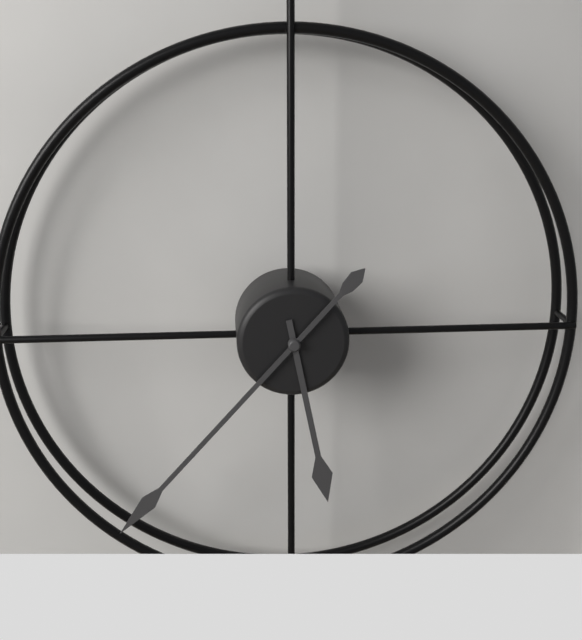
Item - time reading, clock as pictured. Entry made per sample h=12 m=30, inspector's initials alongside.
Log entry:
h=5 m=37
